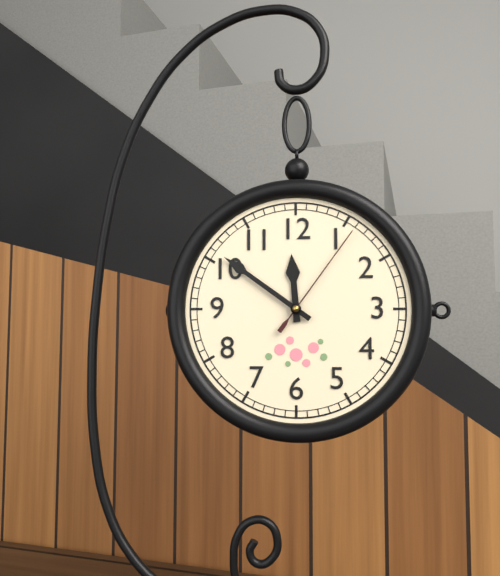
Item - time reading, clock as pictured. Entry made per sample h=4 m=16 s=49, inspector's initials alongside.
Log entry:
h=11 m=51 s=6
